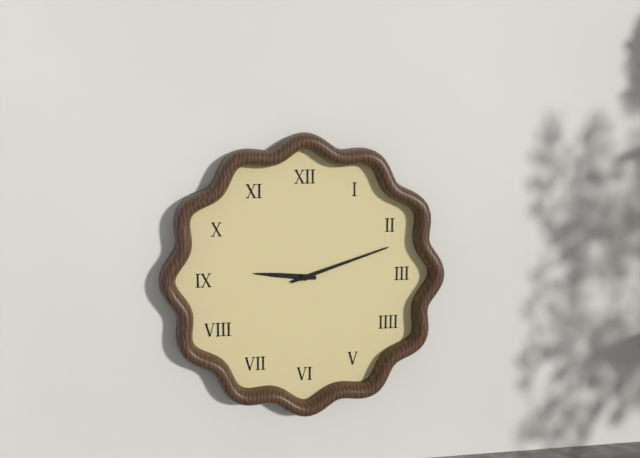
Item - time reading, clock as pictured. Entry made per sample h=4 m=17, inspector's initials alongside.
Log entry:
h=9 m=12
